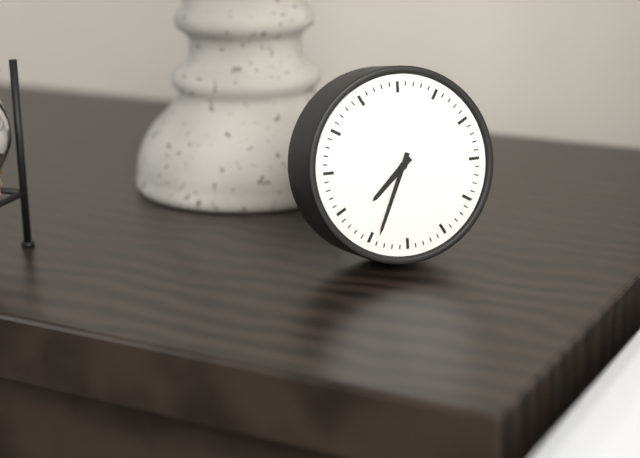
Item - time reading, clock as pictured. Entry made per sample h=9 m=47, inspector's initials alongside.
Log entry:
h=7 m=34
